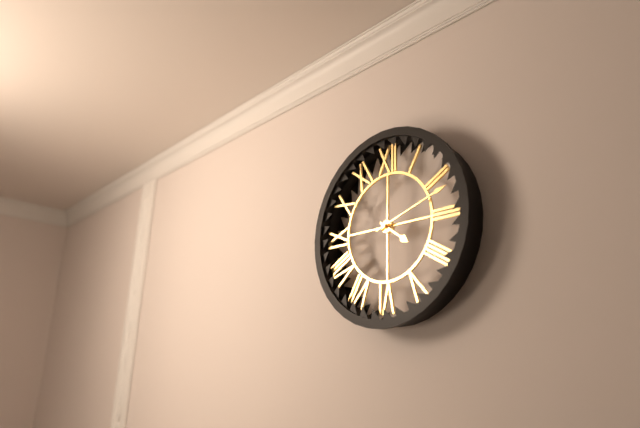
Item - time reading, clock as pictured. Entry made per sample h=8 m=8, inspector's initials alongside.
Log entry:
h=4 m=12
